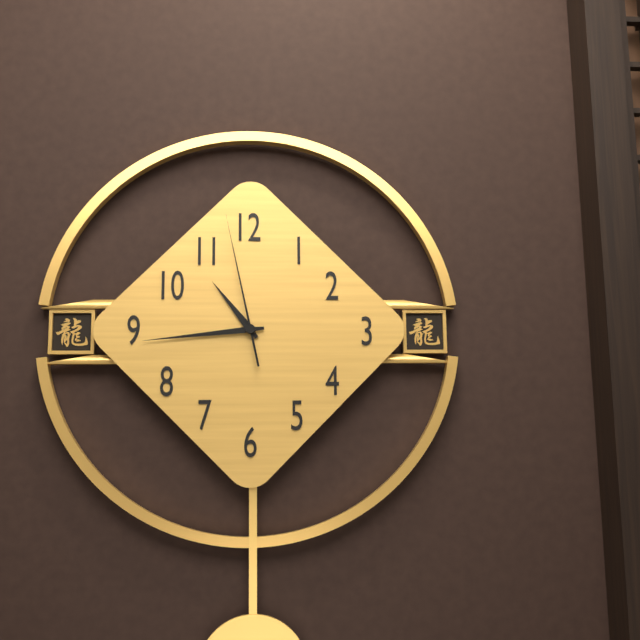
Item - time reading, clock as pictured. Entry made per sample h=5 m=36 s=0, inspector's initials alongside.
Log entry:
h=10 m=44 s=58
